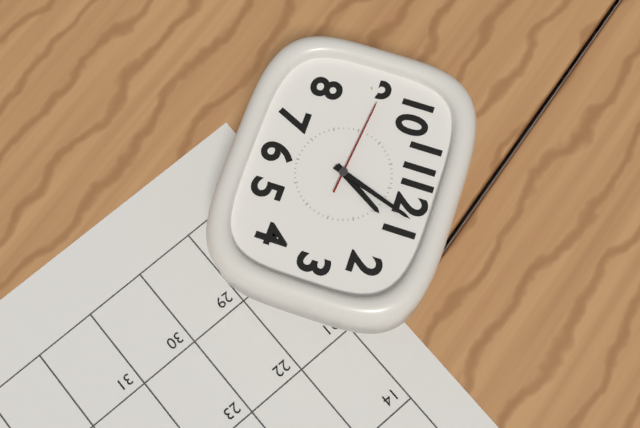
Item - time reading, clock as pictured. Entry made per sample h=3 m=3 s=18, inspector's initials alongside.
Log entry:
h=1 m=3 s=46
